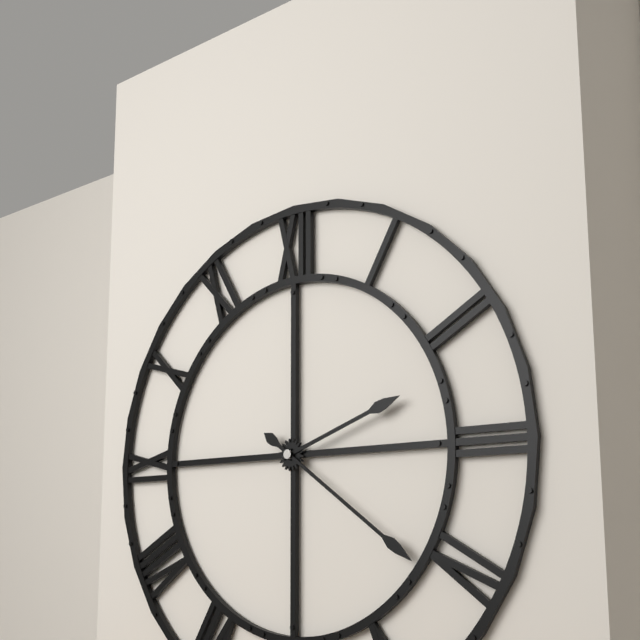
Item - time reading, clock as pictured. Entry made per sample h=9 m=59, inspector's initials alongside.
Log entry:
h=2 m=21
